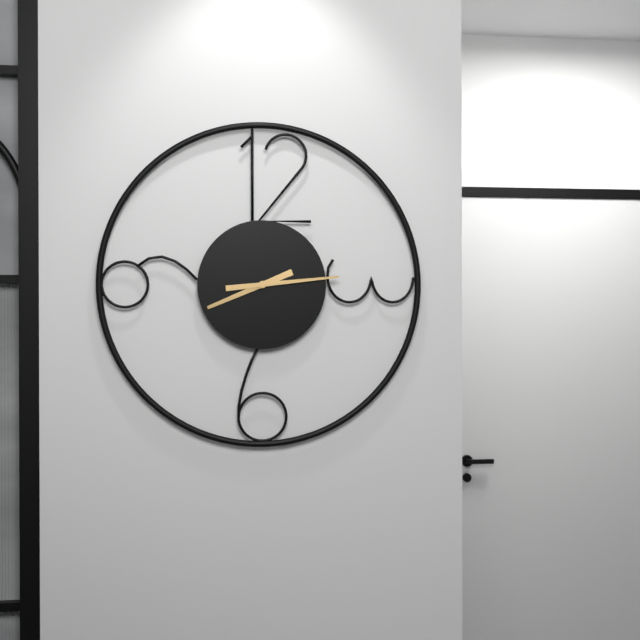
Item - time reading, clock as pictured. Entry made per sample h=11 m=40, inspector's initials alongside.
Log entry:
h=8 m=14
